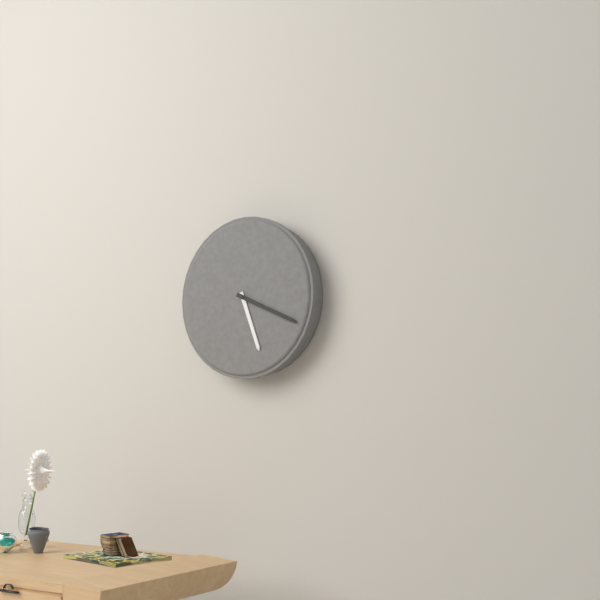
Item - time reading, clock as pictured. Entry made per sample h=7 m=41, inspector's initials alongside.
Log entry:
h=5 m=19
